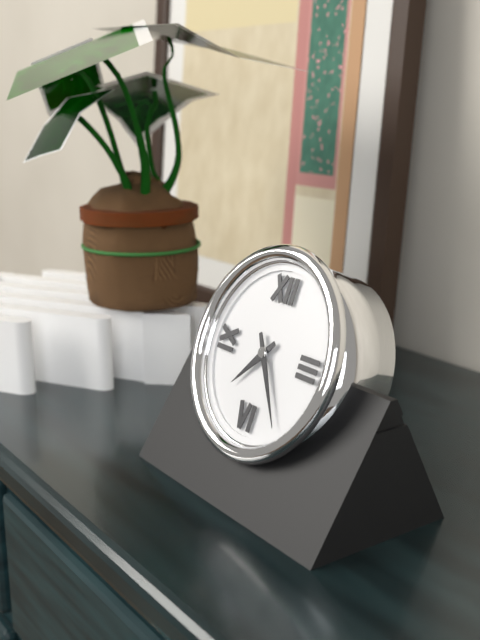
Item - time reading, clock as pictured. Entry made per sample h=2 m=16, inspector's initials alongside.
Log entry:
h=7 m=24
